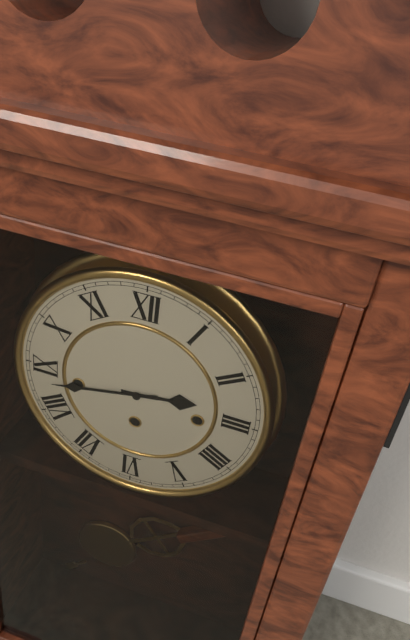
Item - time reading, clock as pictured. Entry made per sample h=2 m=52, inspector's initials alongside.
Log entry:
h=2 m=43
